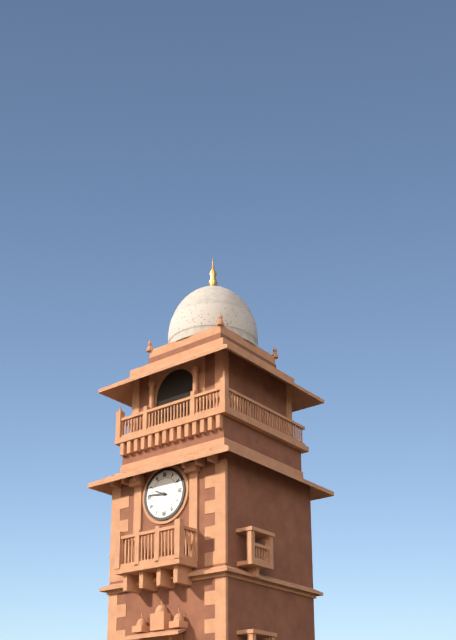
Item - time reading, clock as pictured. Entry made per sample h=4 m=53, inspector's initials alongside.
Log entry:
h=9 m=46
